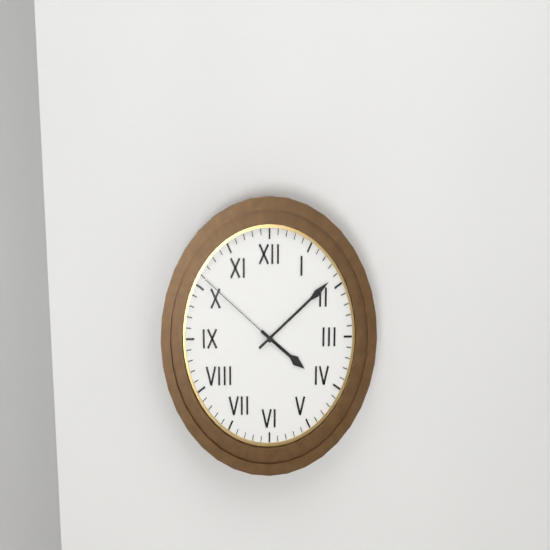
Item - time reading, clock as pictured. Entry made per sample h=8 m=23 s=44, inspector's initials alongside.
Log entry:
h=4 m=9 s=51
